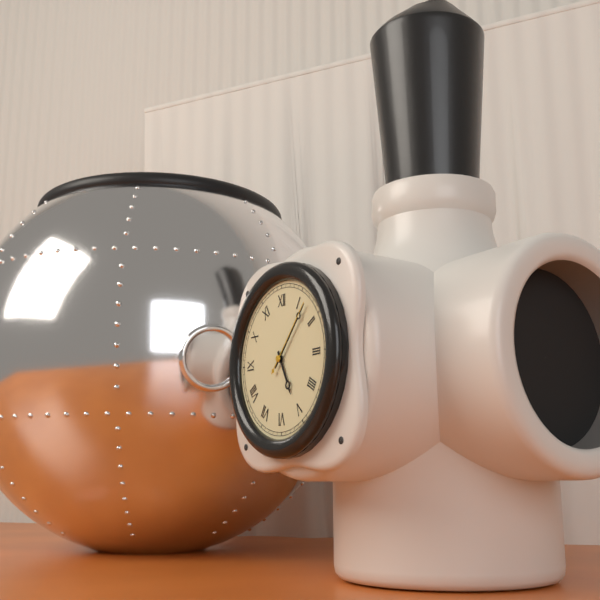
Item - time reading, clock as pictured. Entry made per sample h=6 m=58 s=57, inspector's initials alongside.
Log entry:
h=5 m=7 s=7
